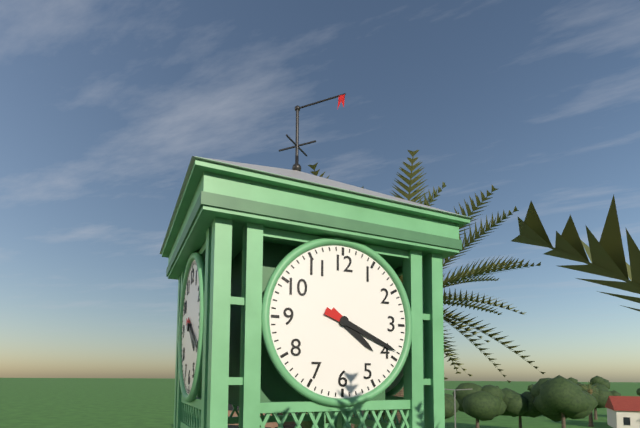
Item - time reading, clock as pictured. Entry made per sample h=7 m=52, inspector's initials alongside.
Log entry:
h=4 m=19
